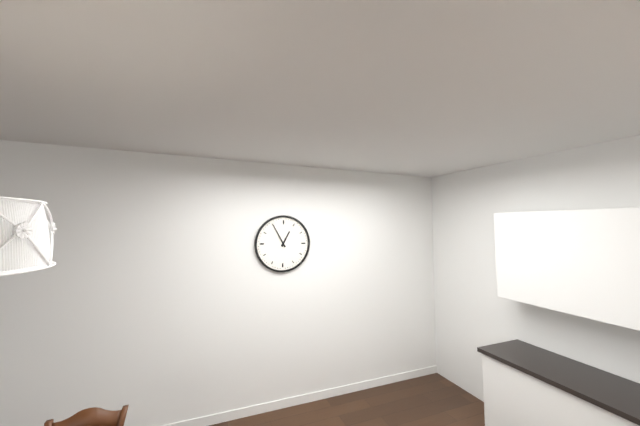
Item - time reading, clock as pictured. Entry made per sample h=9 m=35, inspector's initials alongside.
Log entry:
h=12 m=55
